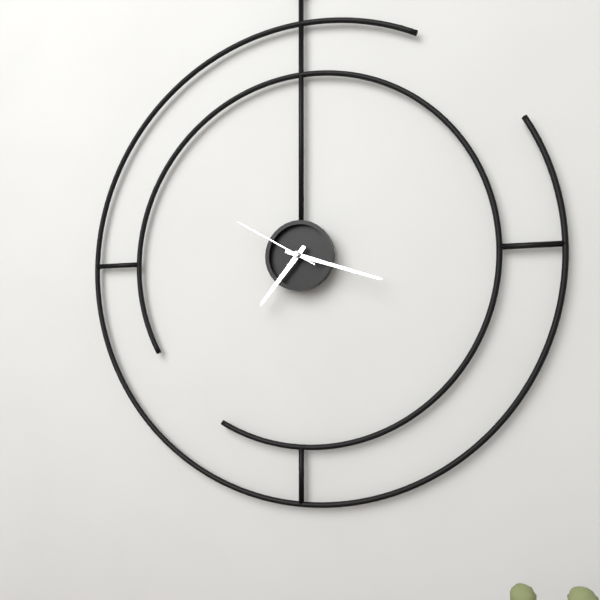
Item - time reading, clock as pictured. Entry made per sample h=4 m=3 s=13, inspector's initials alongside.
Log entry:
h=7 m=18 s=50
